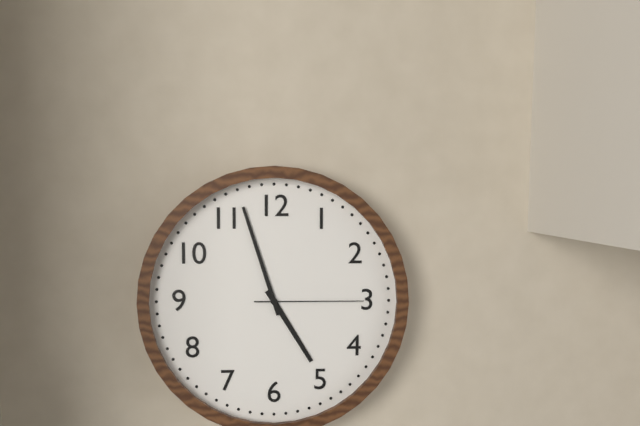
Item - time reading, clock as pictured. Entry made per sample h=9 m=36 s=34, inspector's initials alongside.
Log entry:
h=4 m=57 s=15
